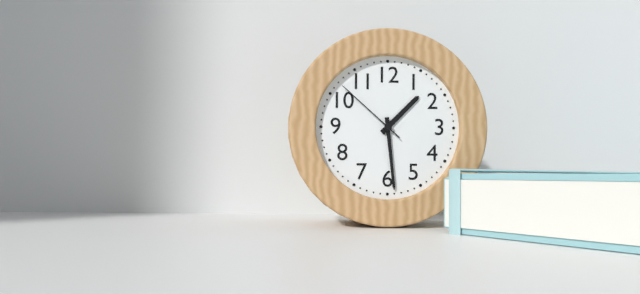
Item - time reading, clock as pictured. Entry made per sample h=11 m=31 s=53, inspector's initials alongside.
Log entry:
h=1 m=29 s=52
